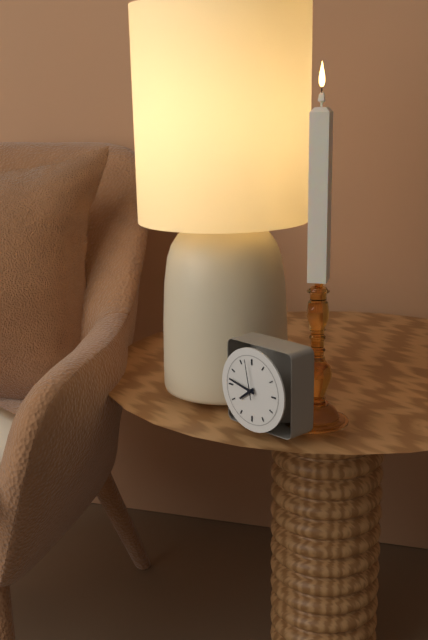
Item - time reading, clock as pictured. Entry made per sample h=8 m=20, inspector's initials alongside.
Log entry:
h=7 m=47
